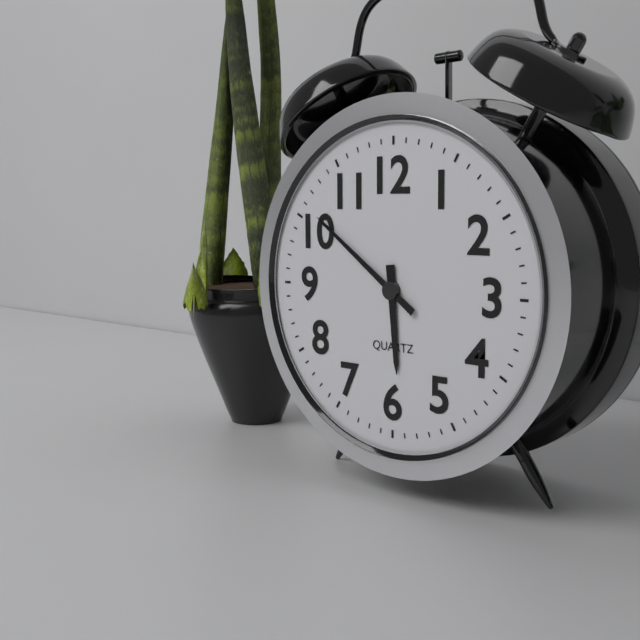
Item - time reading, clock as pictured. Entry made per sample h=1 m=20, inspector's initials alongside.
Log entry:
h=5 m=51
